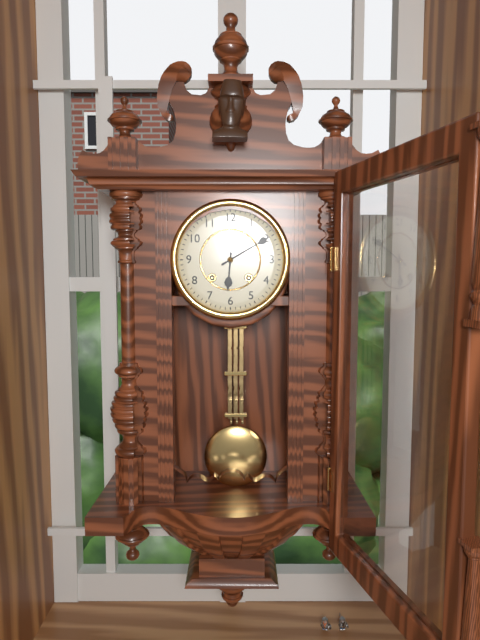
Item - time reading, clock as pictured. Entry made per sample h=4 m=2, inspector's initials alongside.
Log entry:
h=6 m=10
